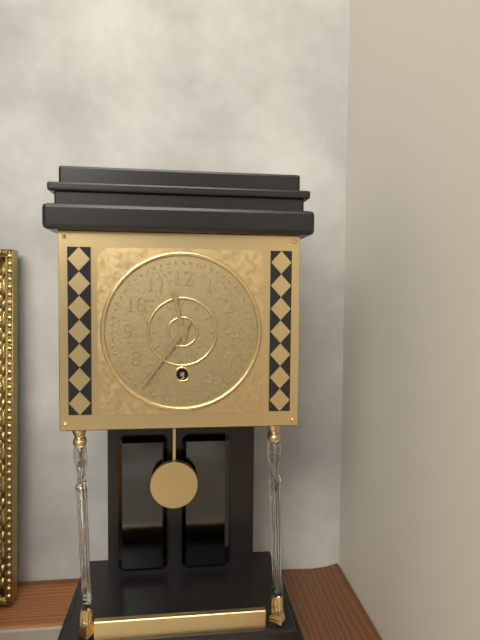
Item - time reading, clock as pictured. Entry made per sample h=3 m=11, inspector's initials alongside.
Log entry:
h=11 m=36
